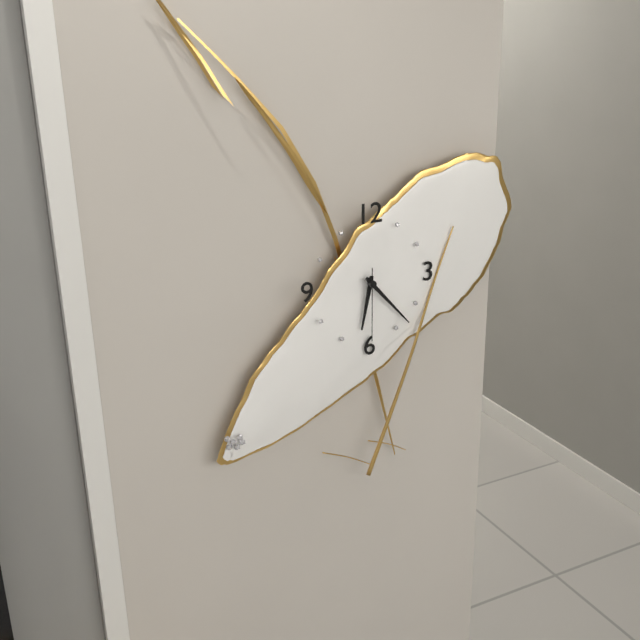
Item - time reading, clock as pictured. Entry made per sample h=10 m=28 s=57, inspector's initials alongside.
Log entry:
h=6 m=23 s=30
